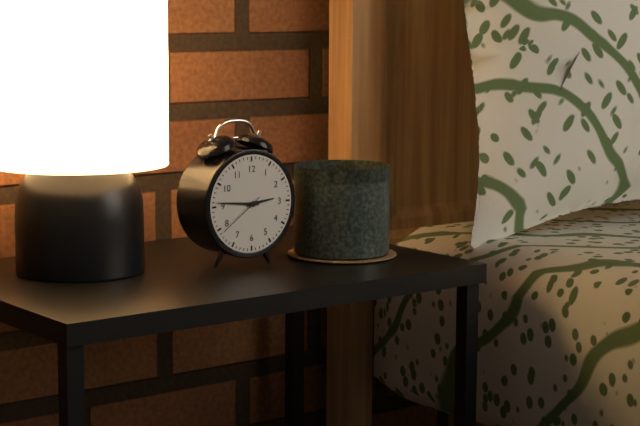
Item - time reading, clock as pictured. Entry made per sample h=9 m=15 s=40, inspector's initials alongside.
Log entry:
h=2 m=46 s=39
